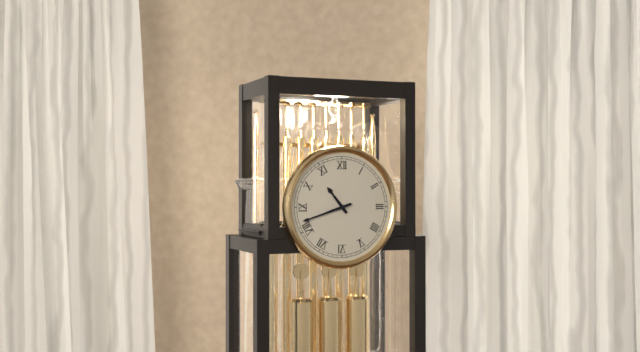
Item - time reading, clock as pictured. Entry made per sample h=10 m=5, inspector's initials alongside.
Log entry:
h=10 m=42
